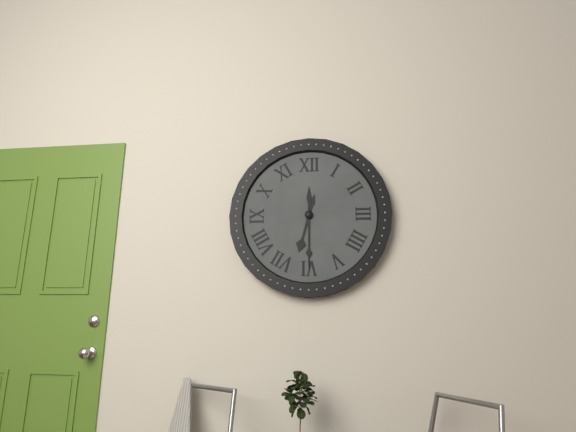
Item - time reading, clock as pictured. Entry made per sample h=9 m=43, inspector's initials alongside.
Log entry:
h=6 m=30
